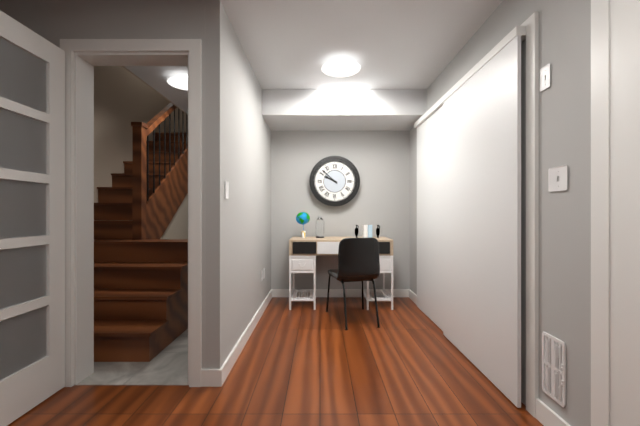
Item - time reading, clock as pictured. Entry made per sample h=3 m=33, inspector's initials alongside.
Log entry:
h=9 m=52
